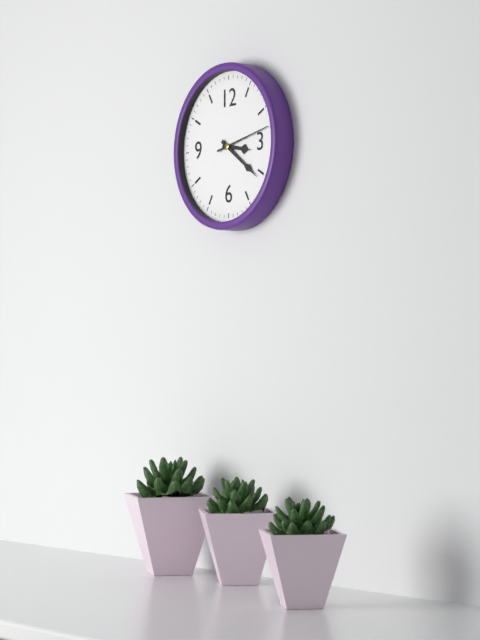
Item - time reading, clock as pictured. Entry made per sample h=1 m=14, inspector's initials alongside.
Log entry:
h=3 m=21
